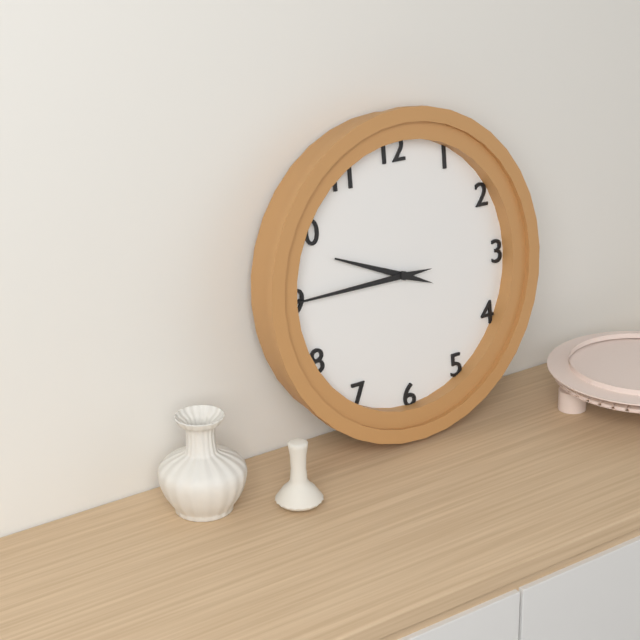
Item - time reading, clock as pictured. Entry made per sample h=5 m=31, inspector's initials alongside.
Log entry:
h=9 m=45
